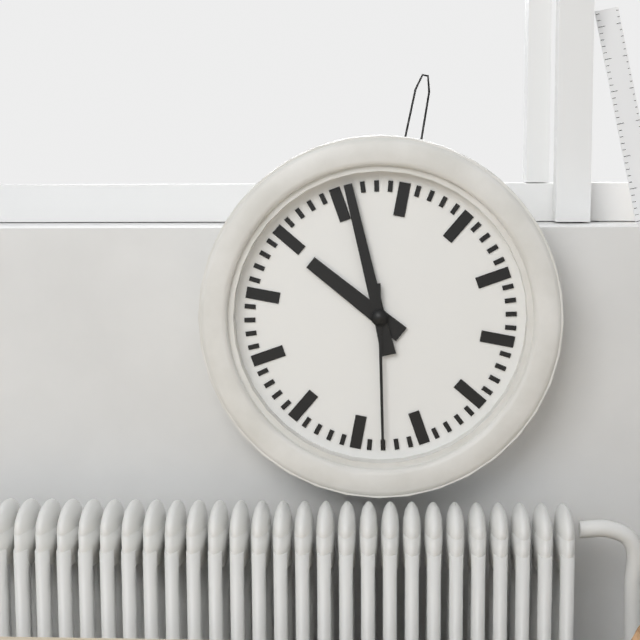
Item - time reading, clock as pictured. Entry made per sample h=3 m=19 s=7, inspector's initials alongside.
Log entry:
h=9 m=56 s=28
